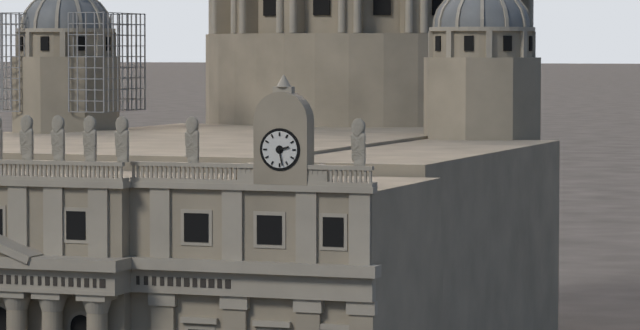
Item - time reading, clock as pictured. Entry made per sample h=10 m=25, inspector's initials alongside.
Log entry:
h=2 m=28
